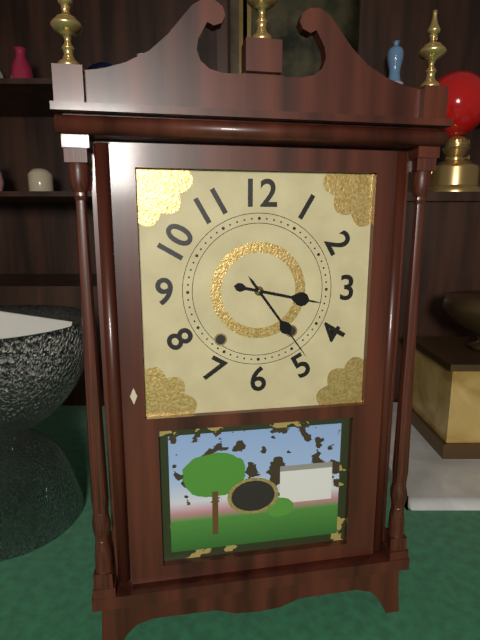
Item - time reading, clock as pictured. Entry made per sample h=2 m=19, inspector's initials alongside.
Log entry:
h=3 m=24
